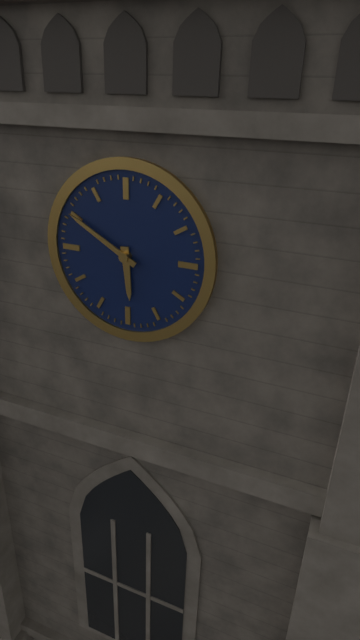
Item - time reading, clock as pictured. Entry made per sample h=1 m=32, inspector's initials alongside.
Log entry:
h=5 m=50
